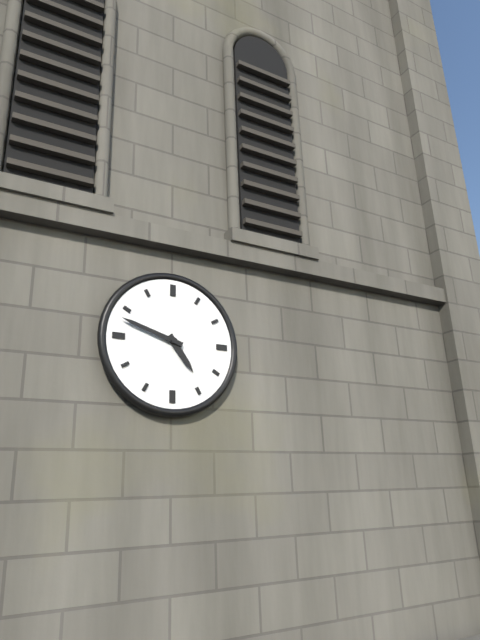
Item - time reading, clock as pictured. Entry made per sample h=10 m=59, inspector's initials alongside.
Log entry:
h=4 m=48
